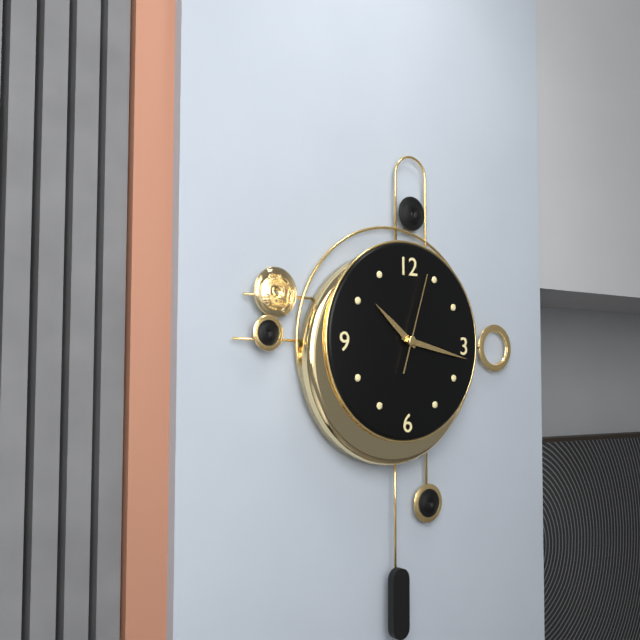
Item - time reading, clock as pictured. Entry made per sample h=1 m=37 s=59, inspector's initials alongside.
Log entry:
h=10 m=17 s=3
